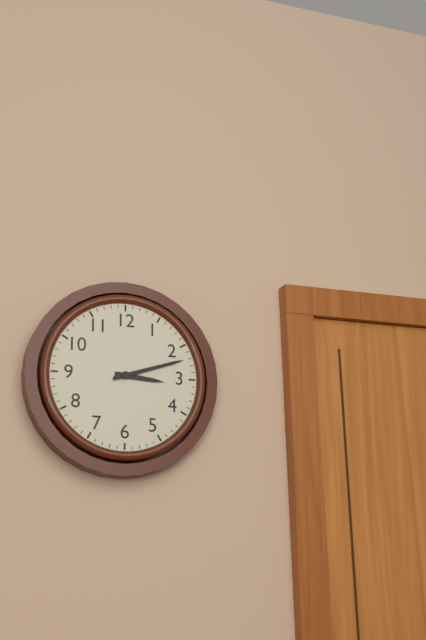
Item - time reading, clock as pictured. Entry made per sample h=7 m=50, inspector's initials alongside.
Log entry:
h=3 m=12
